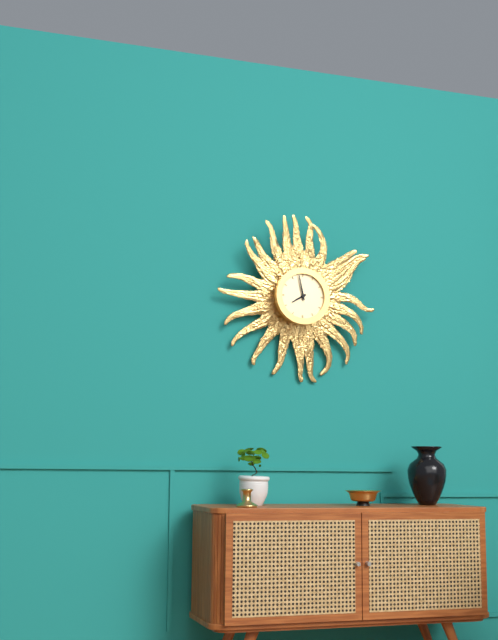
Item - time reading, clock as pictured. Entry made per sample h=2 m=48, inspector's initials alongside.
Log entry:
h=7 m=58
